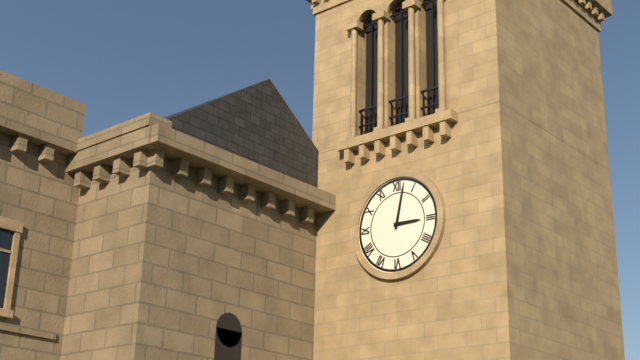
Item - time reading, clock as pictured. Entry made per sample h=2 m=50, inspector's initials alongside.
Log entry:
h=3 m=2
